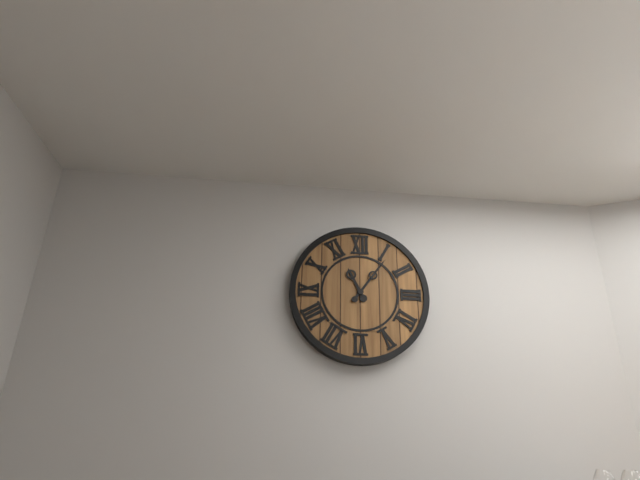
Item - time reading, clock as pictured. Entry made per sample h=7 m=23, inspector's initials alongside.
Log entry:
h=11 m=6
